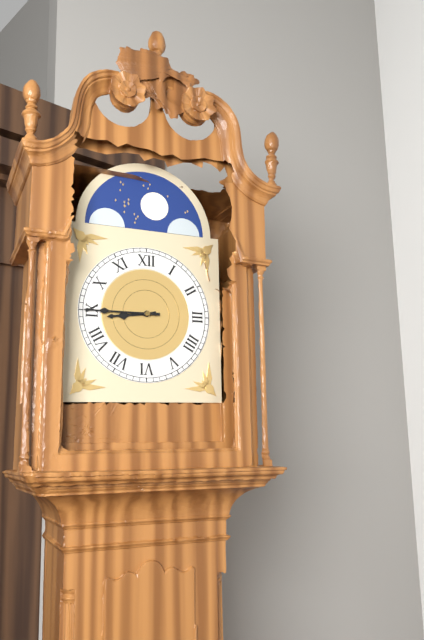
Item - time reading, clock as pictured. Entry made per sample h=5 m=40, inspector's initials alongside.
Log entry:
h=8 m=45
